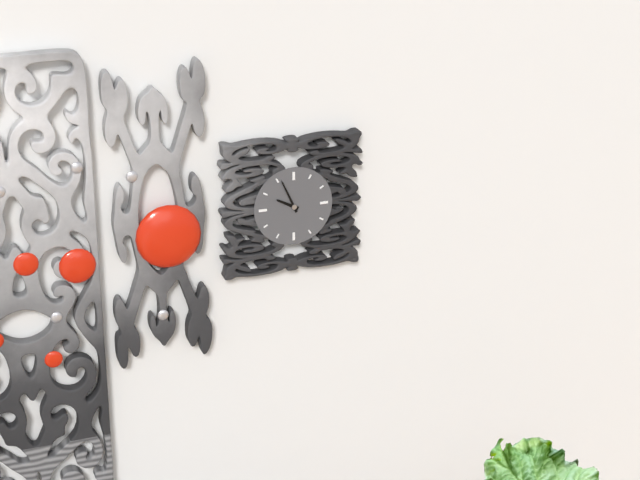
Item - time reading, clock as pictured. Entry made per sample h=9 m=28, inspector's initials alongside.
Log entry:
h=9 m=56
